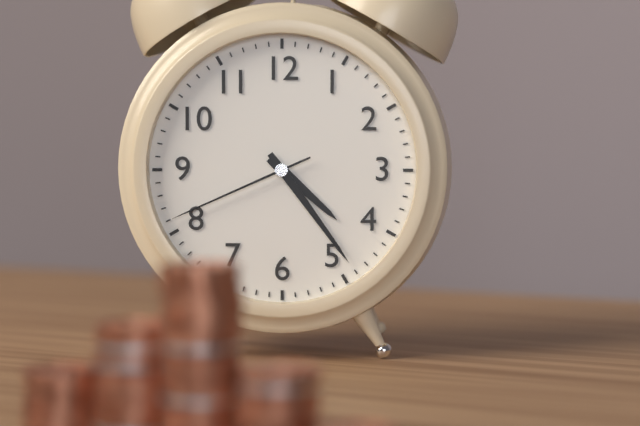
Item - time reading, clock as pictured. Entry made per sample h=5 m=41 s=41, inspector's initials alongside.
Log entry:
h=4 m=24 s=41
